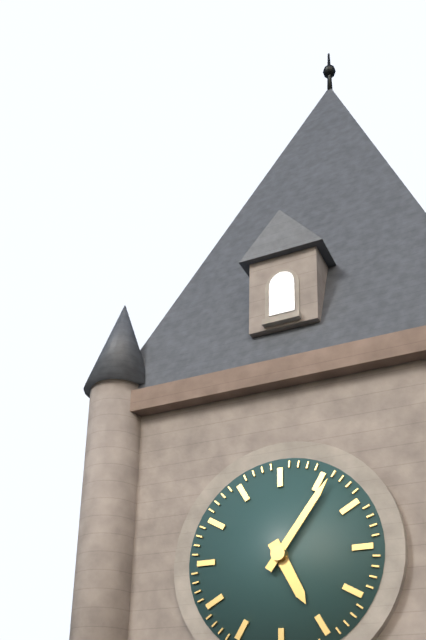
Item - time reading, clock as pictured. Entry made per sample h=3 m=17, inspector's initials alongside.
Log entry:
h=5 m=6
